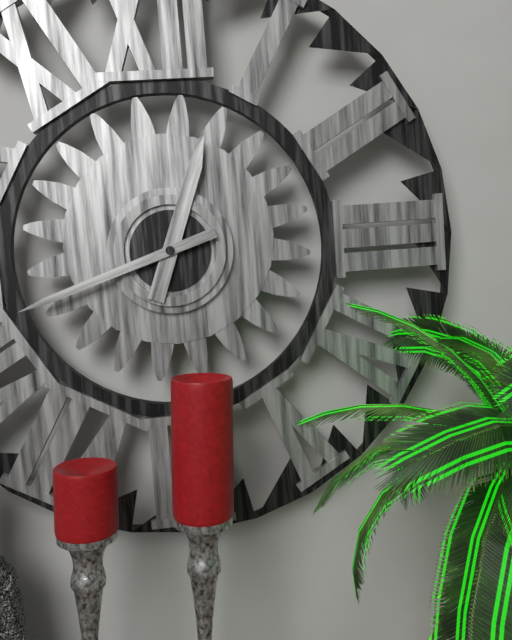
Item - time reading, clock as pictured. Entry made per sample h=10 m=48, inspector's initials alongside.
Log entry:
h=12 m=42
